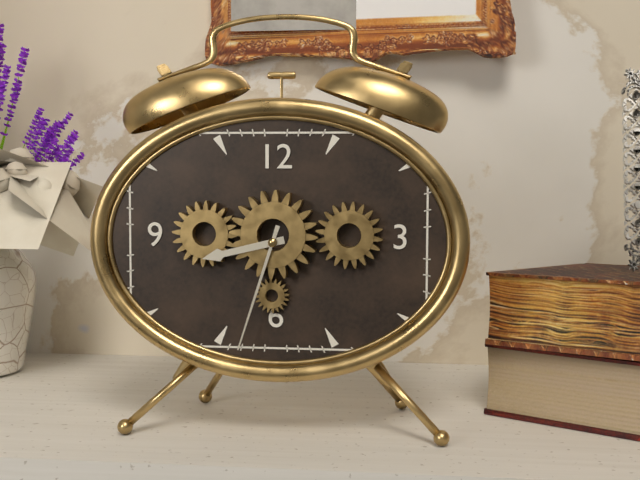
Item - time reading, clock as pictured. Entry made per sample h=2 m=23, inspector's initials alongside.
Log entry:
h=8 m=33
